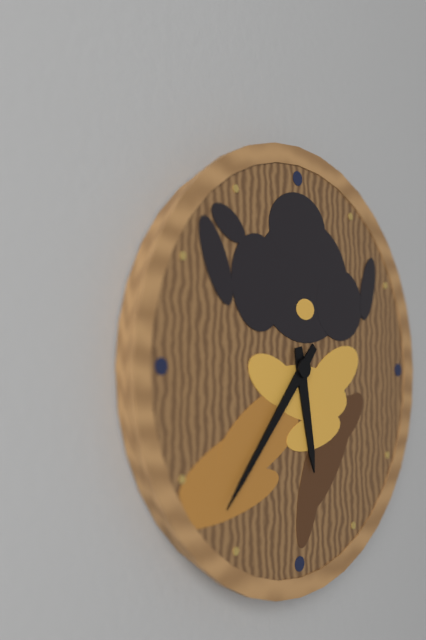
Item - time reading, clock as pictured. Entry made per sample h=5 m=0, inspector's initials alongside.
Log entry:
h=5 m=37
